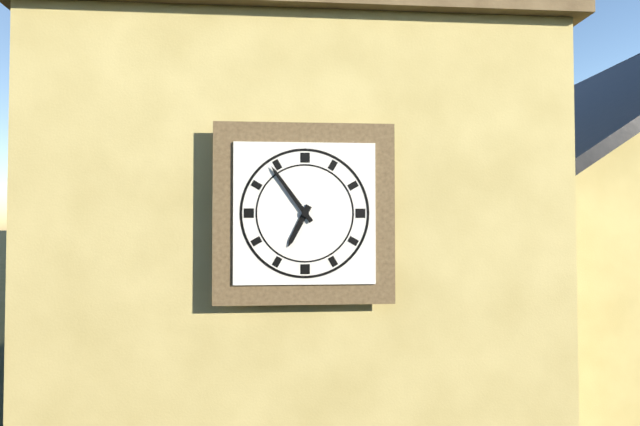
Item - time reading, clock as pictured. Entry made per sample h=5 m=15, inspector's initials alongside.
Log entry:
h=6 m=54
